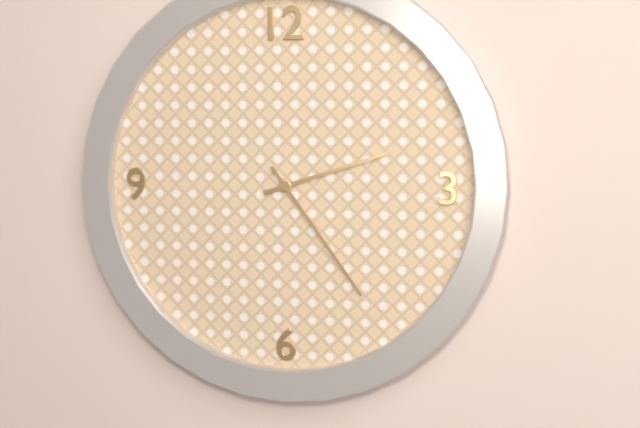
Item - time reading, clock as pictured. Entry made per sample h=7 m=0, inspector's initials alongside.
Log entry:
h=2 m=24
